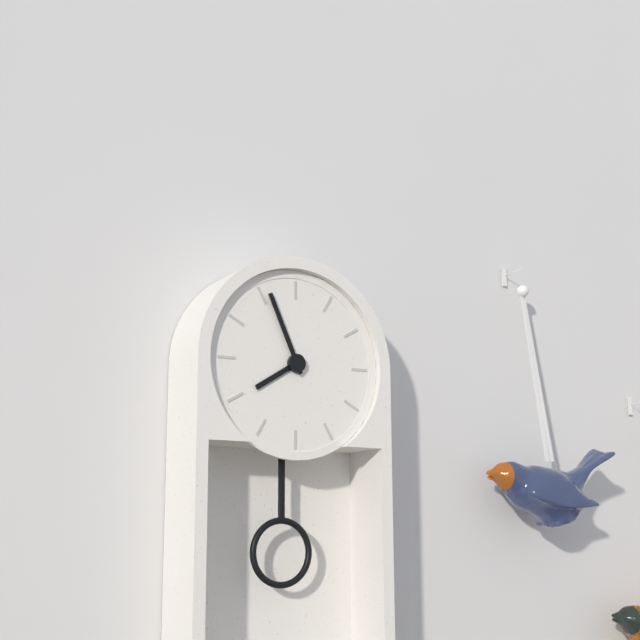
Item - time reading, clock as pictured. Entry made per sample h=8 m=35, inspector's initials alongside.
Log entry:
h=7 m=56
